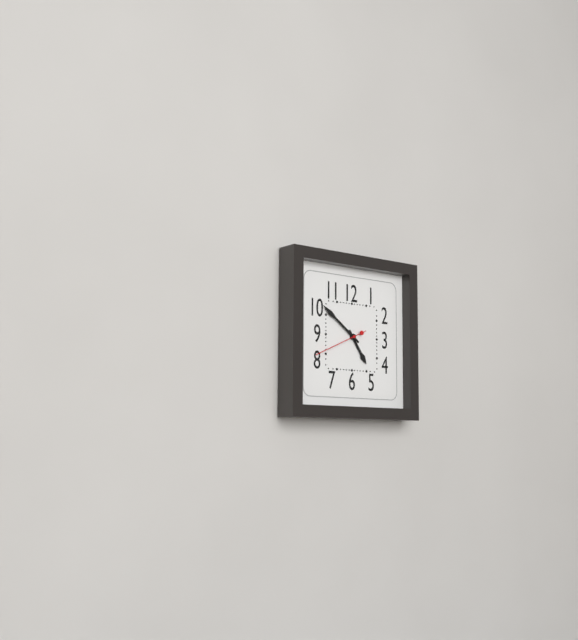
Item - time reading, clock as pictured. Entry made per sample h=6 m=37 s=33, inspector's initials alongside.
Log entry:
h=4 m=51 s=41
